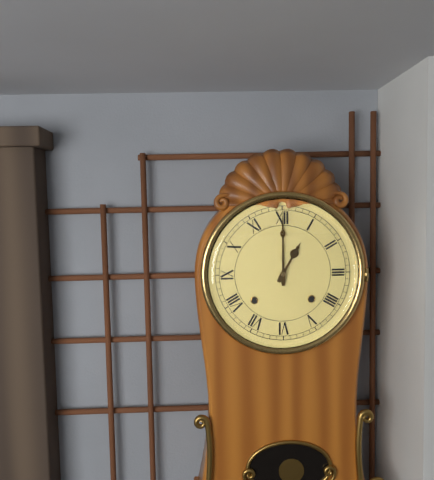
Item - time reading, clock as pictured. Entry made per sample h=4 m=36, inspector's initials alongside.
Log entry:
h=1 m=0
